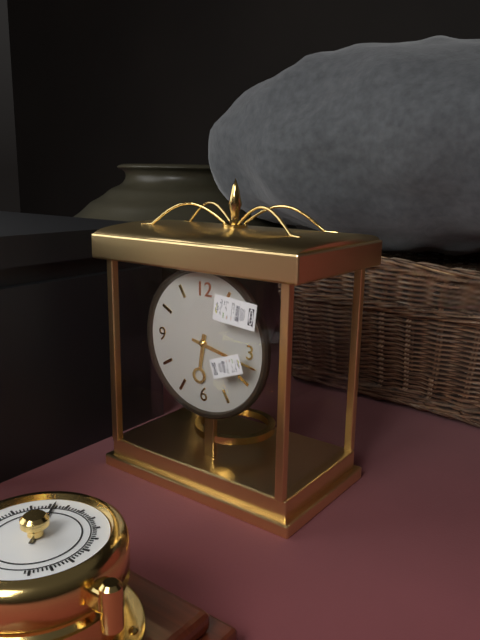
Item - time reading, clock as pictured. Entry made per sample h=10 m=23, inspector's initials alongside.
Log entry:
h=6 m=17
